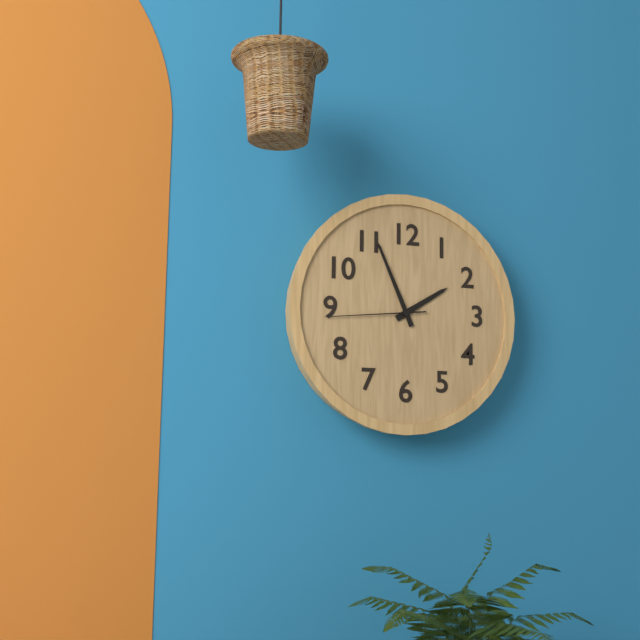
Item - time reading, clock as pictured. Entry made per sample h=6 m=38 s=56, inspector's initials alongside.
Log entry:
h=1 m=56 s=44
